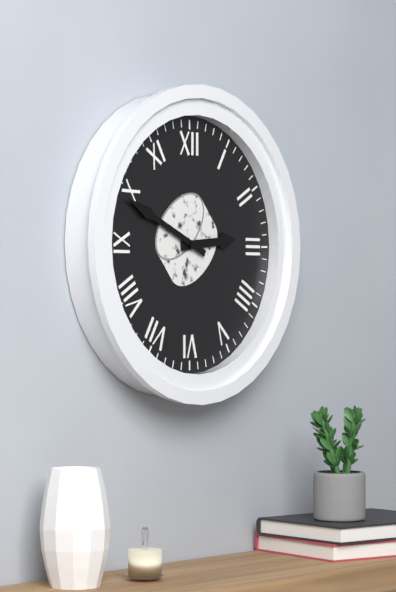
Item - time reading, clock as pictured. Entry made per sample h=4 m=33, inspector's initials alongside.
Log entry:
h=2 m=49
